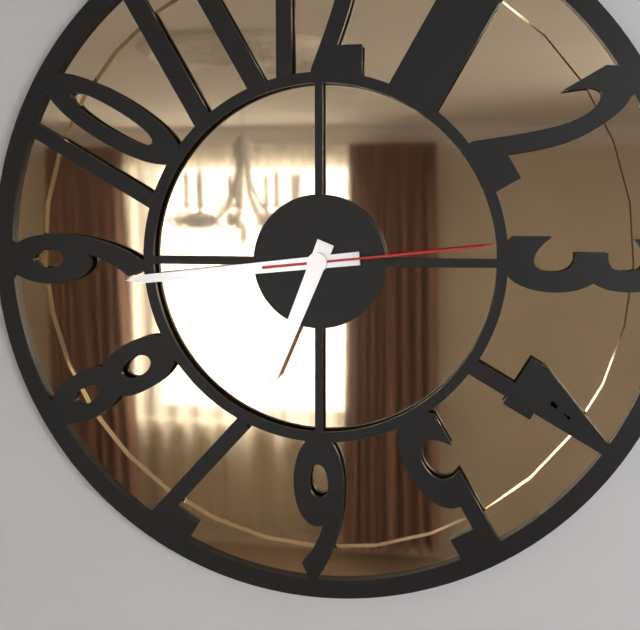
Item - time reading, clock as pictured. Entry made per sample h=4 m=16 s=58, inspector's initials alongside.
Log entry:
h=6 m=44 s=14
